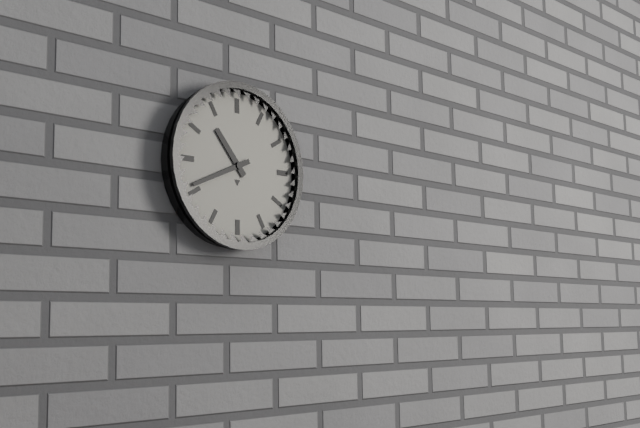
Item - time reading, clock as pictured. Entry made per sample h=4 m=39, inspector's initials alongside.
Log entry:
h=10 m=41
